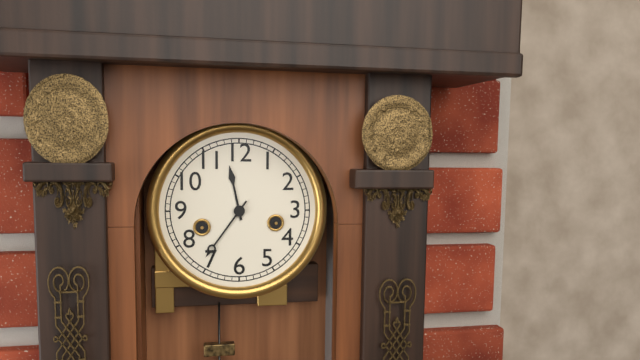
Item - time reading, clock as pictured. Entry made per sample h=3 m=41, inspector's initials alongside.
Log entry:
h=11 m=36
